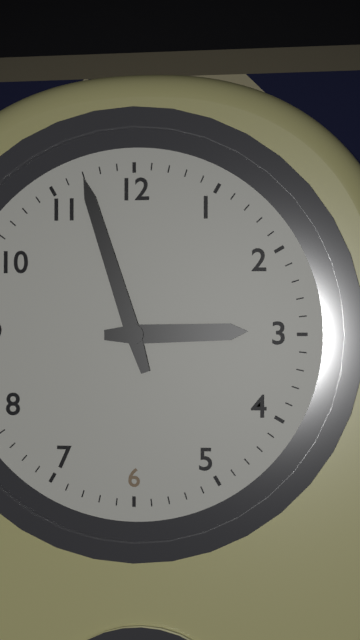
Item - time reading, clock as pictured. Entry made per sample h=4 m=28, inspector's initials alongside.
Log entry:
h=2 m=57
